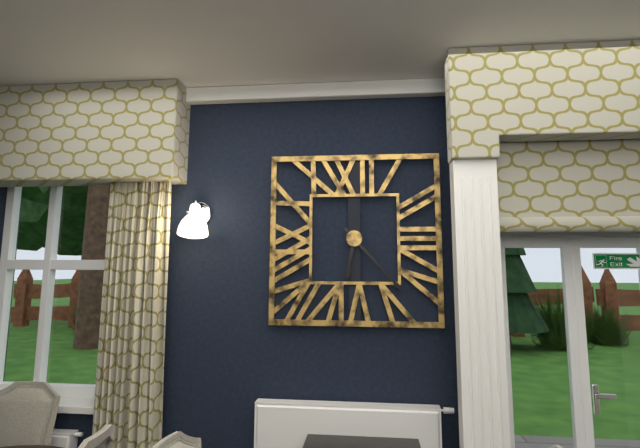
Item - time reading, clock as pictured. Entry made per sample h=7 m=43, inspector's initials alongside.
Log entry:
h=6 m=23
